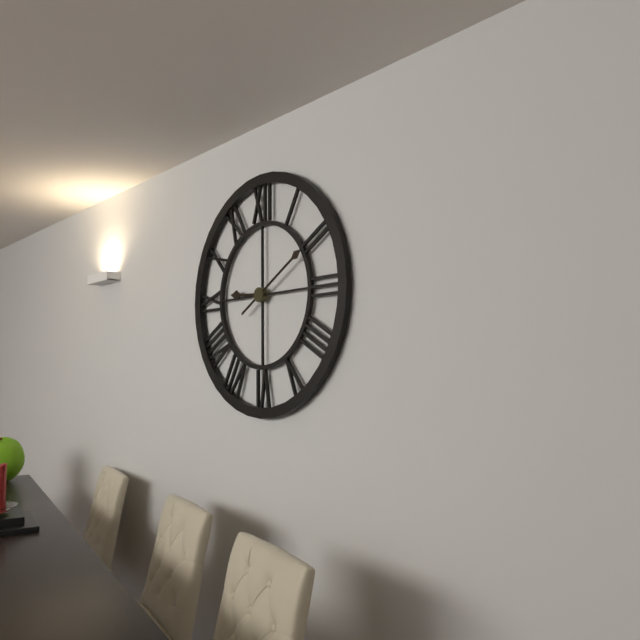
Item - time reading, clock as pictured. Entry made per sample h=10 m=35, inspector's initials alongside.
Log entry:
h=9 m=10
